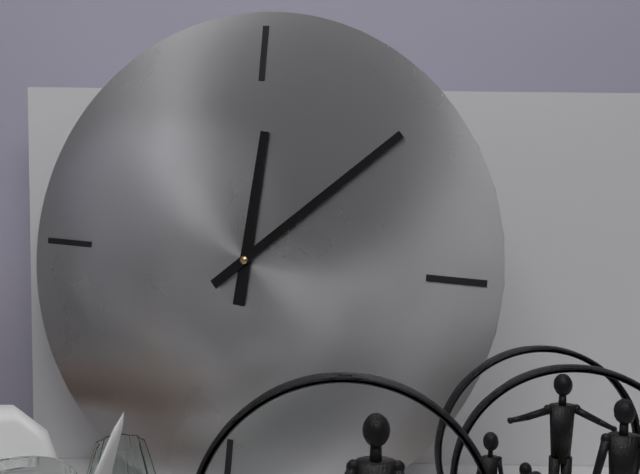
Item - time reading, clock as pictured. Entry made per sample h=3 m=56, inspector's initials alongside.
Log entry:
h=12 m=8
